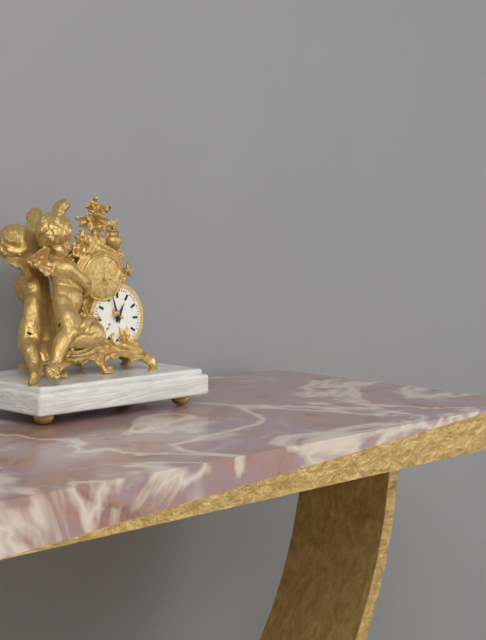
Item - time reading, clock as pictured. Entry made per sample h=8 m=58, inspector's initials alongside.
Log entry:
h=12 m=57
